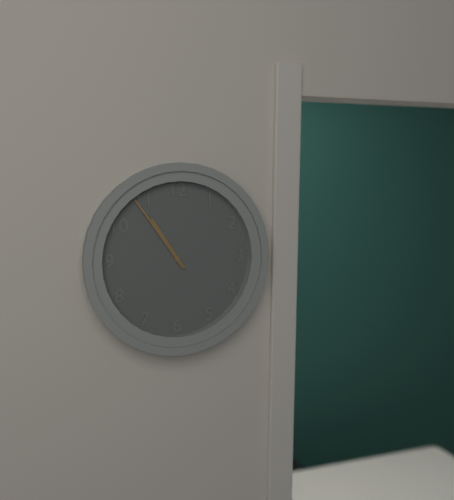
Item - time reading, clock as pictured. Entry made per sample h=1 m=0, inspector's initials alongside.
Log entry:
h=10 m=54
